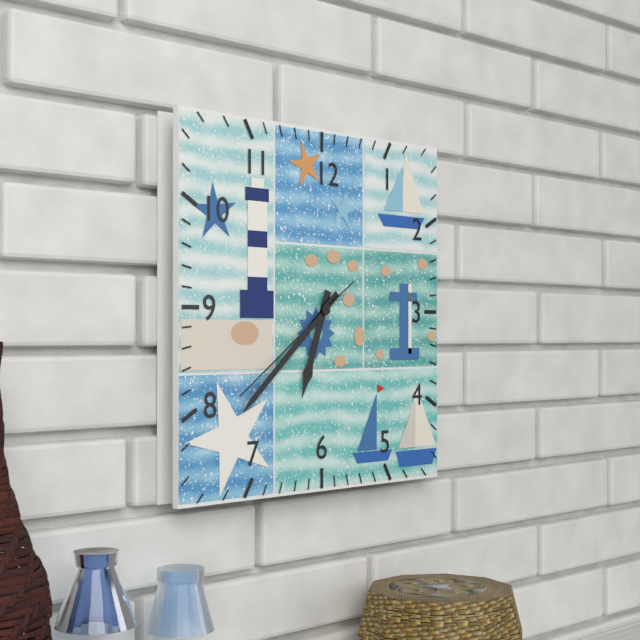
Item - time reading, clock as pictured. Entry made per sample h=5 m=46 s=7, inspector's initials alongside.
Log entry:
h=6 m=38 s=39
